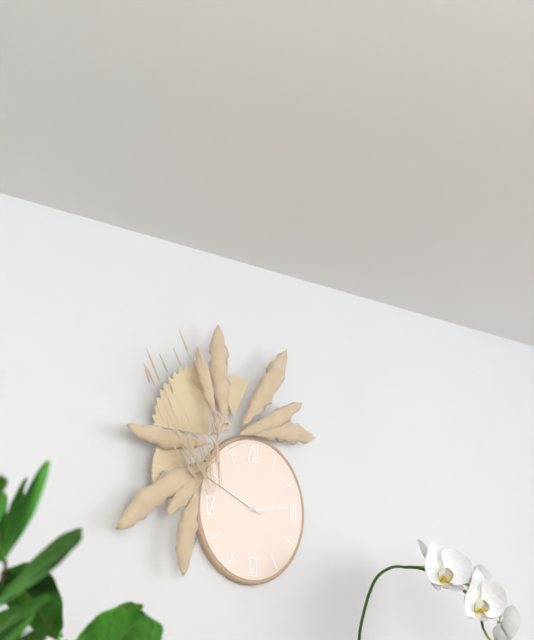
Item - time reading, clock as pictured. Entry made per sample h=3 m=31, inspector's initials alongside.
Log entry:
h=2 m=49
